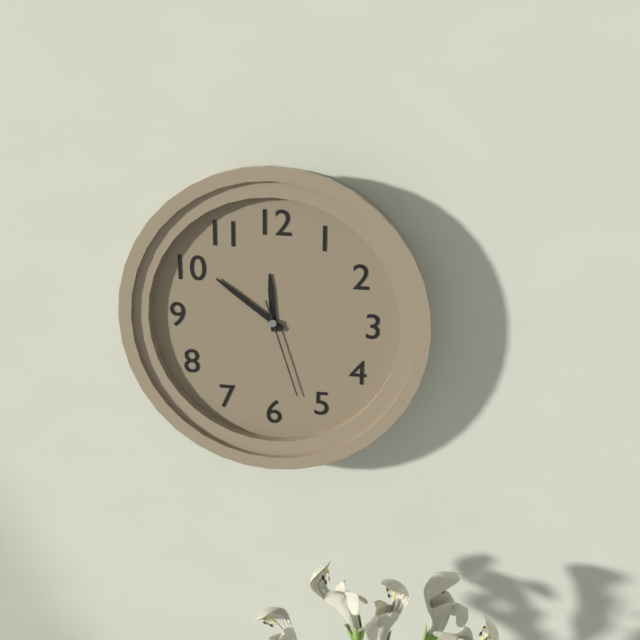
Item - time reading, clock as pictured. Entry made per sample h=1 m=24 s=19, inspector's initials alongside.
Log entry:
h=11 m=51 s=27
